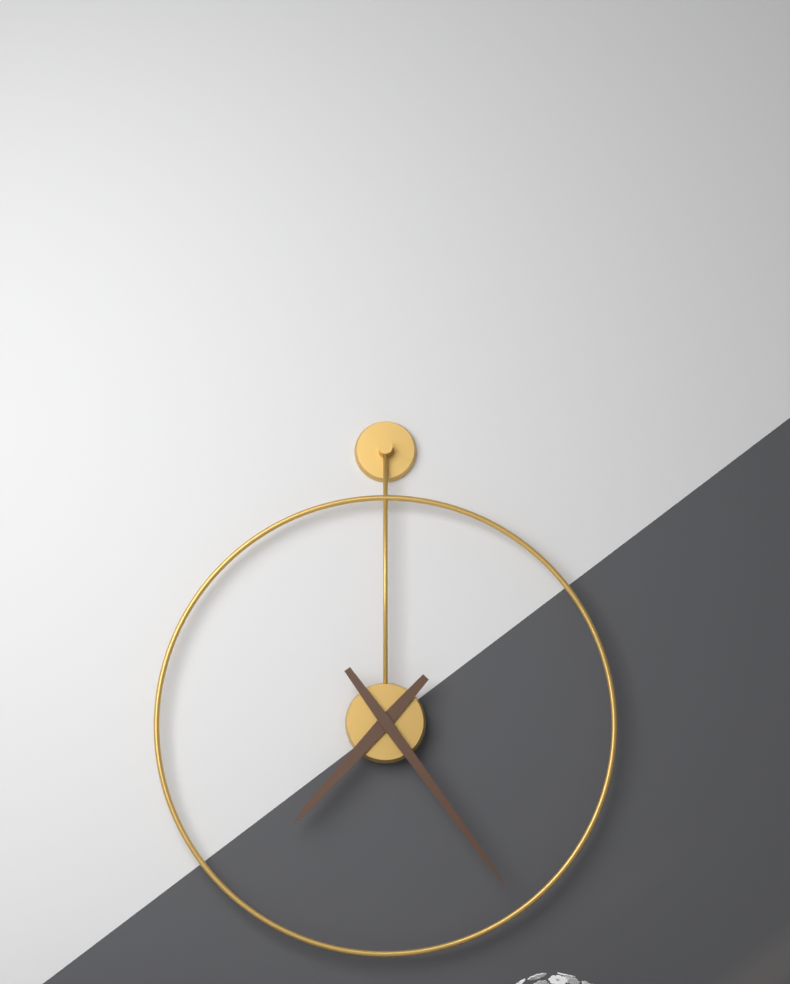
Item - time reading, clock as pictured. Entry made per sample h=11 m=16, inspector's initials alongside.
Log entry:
h=7 m=24
